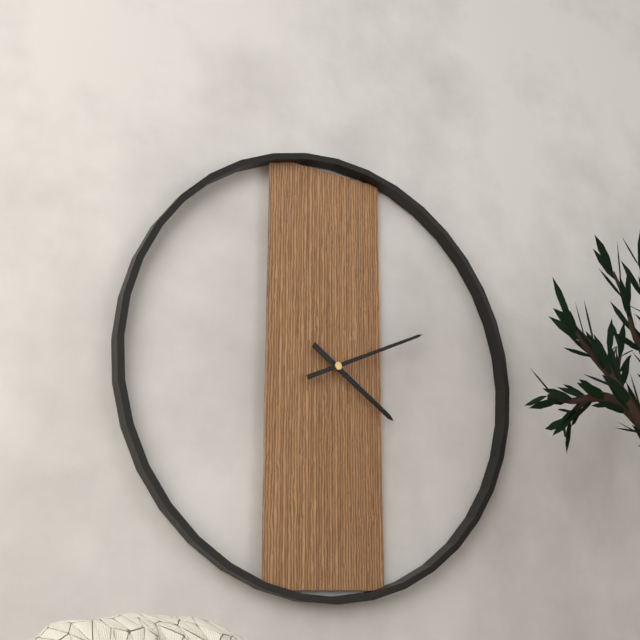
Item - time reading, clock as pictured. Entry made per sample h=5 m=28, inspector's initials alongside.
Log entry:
h=4 m=11
